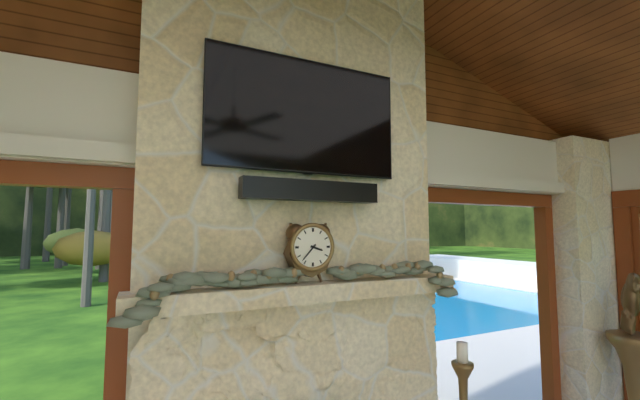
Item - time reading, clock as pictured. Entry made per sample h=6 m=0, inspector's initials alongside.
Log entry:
h=3 m=37
